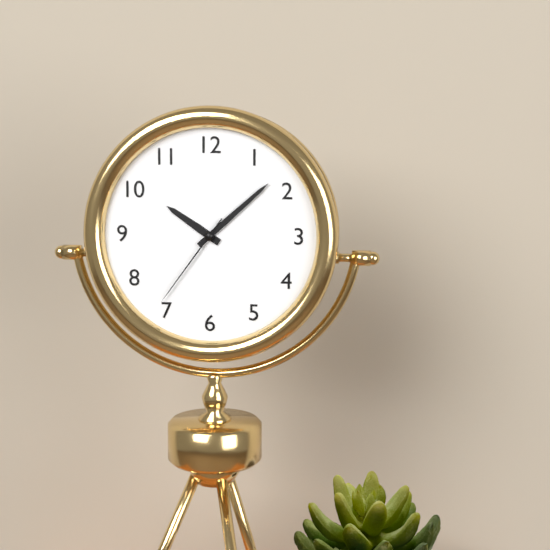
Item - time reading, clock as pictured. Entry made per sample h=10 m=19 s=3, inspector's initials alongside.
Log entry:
h=10 m=8 s=36
